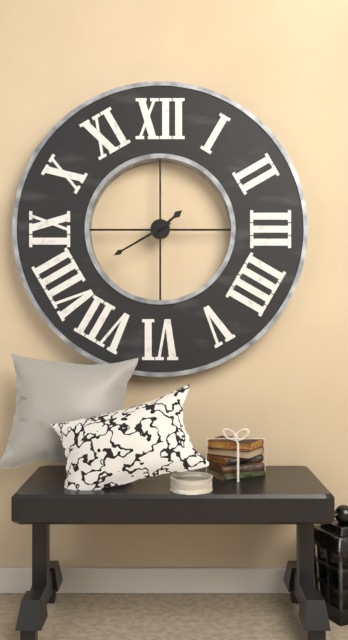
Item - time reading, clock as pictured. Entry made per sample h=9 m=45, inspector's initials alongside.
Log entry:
h=1 m=40
